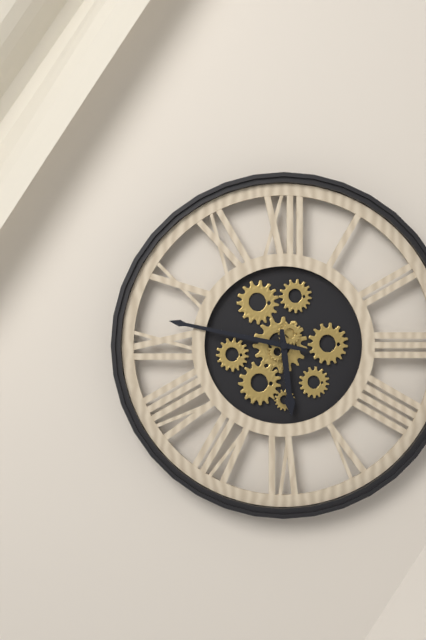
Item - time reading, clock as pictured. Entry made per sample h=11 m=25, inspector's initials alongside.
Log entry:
h=5 m=47
